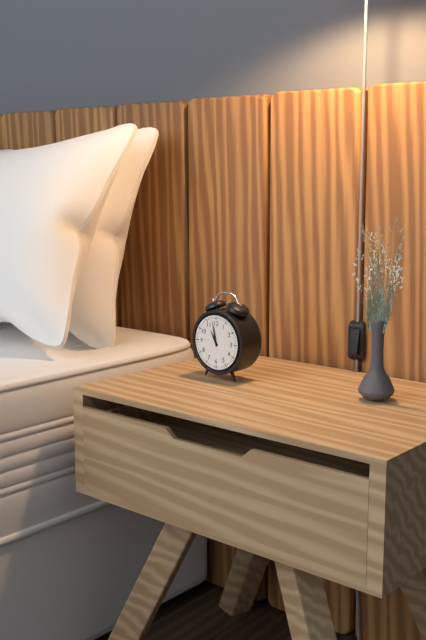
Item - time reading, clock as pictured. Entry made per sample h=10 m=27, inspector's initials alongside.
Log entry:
h=10 m=58
